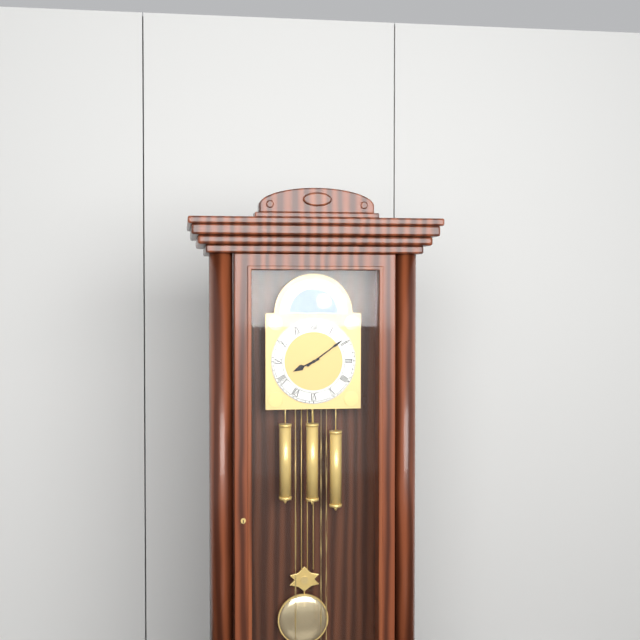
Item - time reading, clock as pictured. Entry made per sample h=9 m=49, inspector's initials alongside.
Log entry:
h=8 m=9
